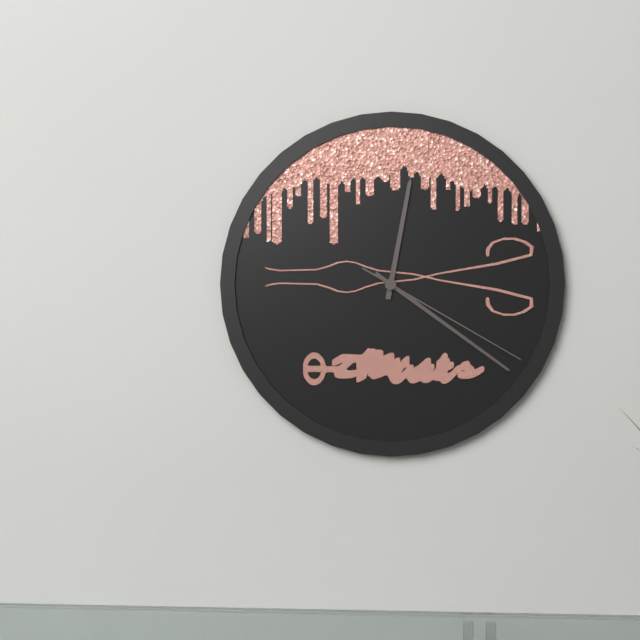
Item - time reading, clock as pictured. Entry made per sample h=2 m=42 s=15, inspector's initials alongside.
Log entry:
h=12 m=21 s=20
